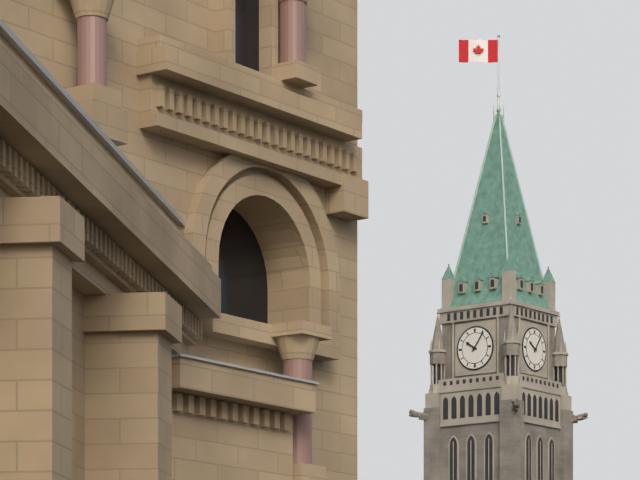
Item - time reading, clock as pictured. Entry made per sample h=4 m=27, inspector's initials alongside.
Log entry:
h=10 m=6
